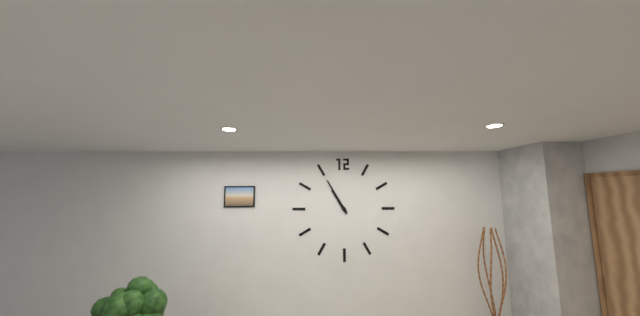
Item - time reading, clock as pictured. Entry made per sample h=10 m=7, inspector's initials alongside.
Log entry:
h=10 m=55
